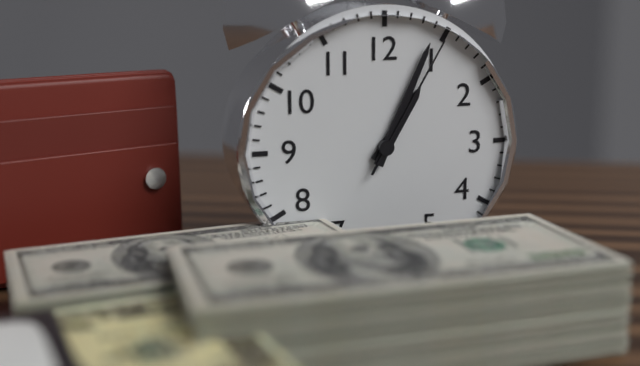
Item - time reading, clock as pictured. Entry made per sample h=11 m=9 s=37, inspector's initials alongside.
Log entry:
h=1 m=4 s=5
